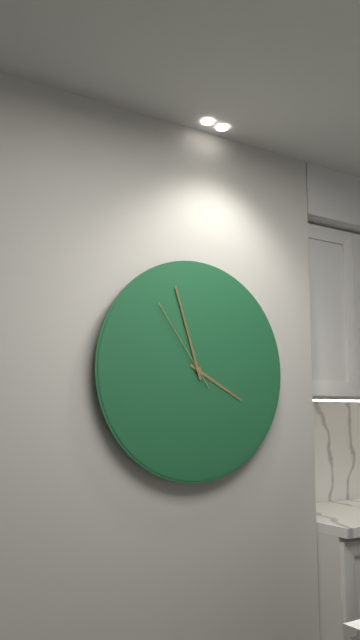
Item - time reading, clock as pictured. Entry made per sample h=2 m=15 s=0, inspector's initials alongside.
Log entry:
h=3 m=57 s=54
